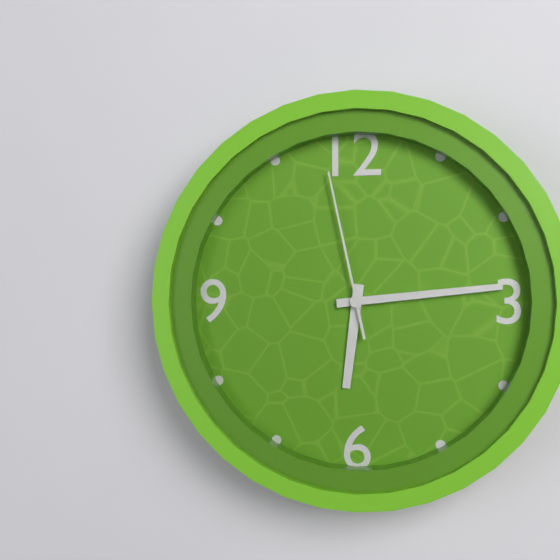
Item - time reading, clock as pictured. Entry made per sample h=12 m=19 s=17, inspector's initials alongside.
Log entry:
h=6 m=14 s=58
